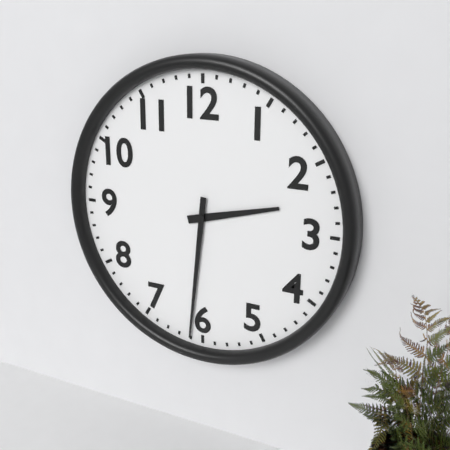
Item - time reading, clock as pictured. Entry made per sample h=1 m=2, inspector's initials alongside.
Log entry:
h=2 m=31
